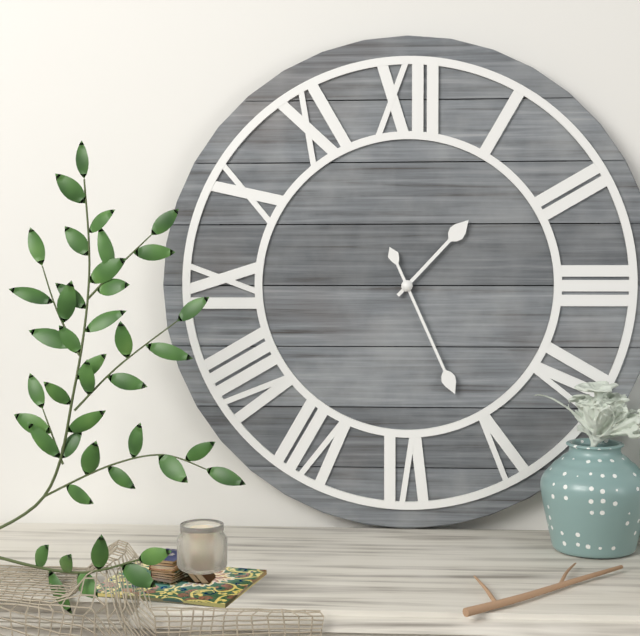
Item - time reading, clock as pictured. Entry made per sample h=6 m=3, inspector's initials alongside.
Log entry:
h=1 m=26
